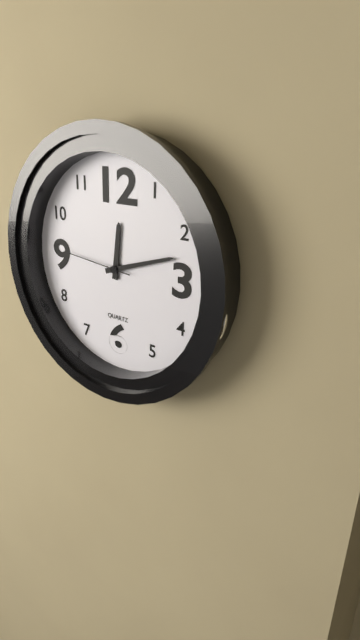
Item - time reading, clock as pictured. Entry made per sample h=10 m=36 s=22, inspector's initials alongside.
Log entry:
h=12 m=12 s=46
